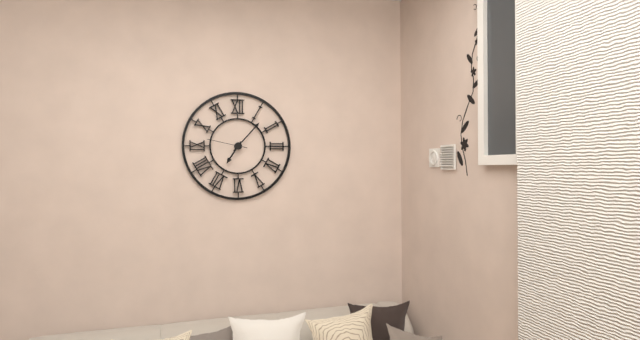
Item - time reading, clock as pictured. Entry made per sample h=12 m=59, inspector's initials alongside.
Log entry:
h=7 m=7
